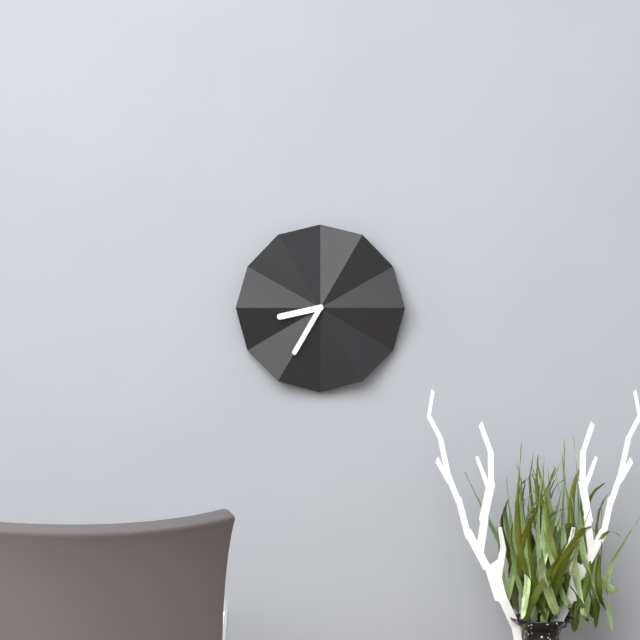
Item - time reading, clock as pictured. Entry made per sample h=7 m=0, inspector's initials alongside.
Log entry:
h=8 m=35
